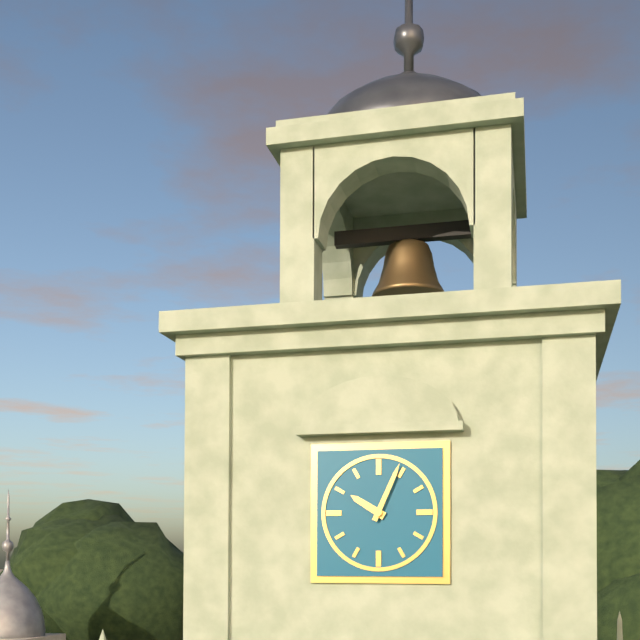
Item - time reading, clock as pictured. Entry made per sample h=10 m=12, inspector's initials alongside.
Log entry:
h=10 m=4
